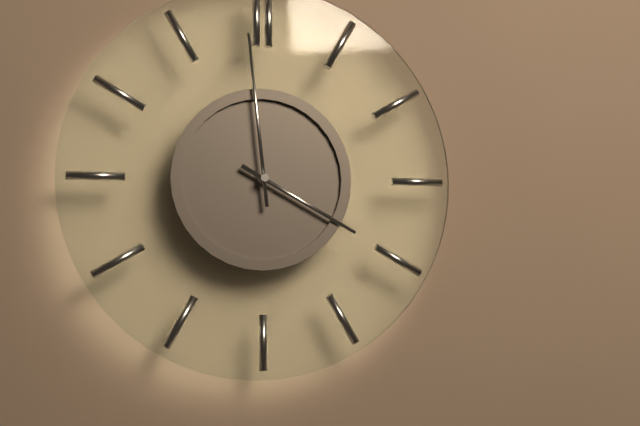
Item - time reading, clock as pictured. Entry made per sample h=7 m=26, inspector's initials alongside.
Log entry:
h=3 m=59
